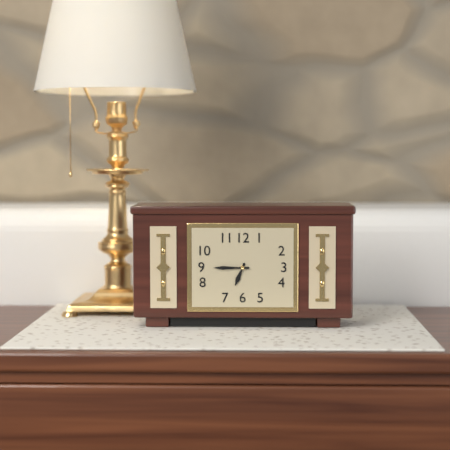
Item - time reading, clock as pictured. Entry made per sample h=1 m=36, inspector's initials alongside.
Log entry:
h=6 m=45
